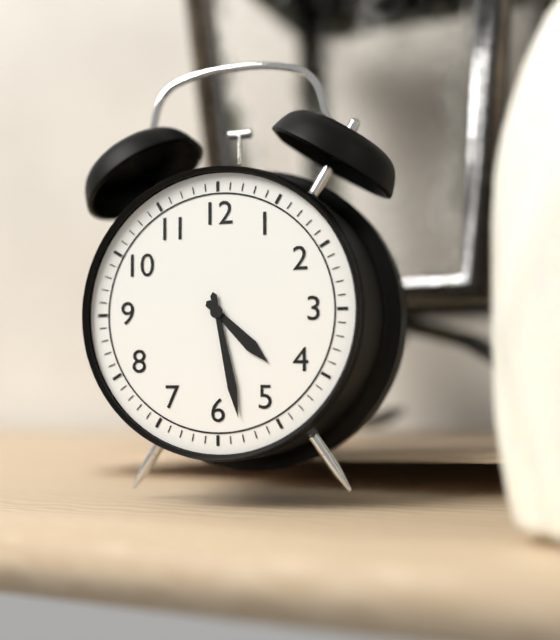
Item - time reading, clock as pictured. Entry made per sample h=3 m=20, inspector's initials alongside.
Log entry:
h=4 m=28
